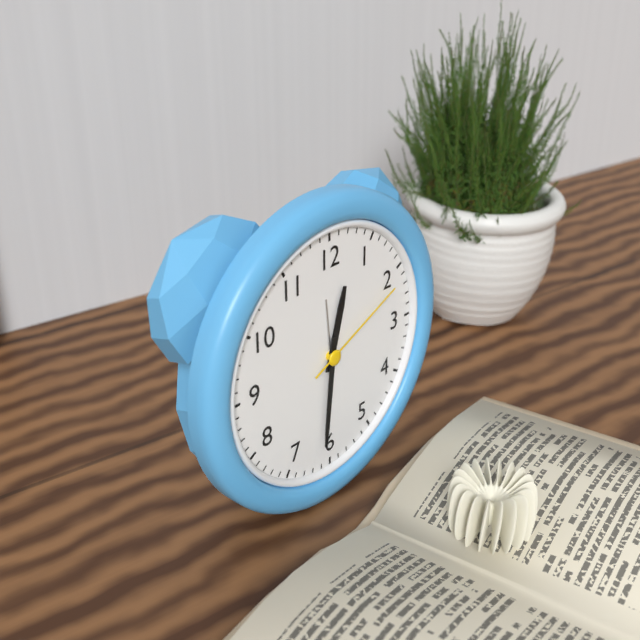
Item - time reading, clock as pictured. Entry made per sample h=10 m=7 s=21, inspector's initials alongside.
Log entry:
h=12 m=31 s=11
